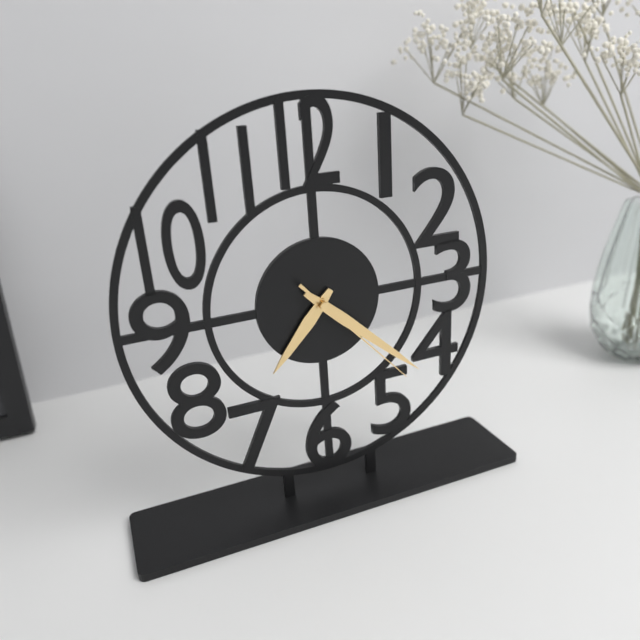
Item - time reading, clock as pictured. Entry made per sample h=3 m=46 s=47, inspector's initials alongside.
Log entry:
h=7 m=22 s=23
